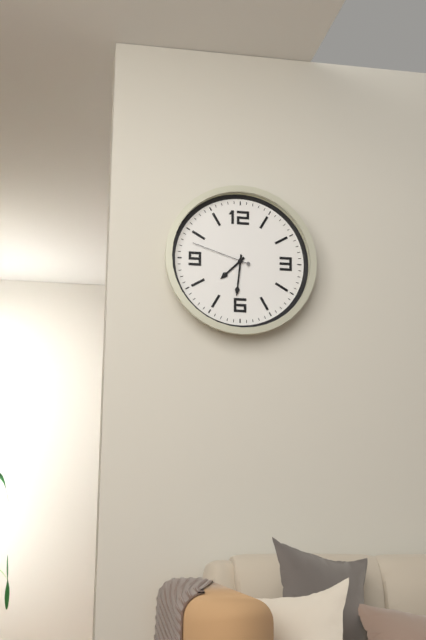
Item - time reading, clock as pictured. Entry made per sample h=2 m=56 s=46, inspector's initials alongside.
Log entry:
h=7 m=31 s=48
